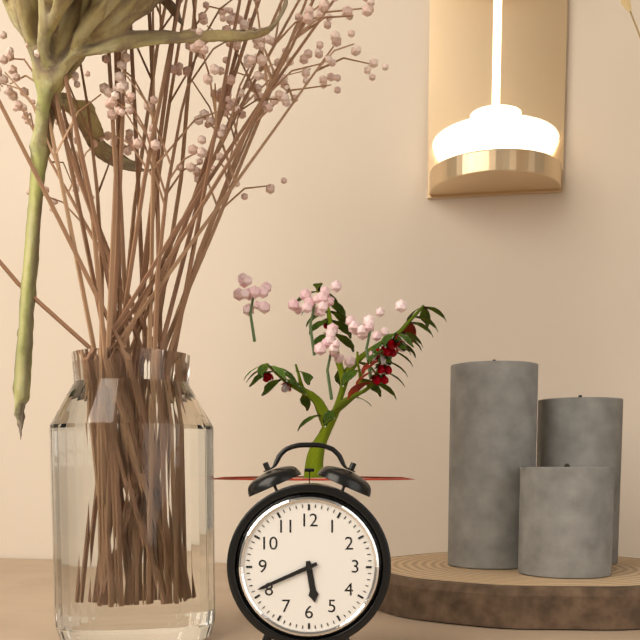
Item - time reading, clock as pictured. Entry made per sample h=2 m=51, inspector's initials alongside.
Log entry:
h=5 m=41
